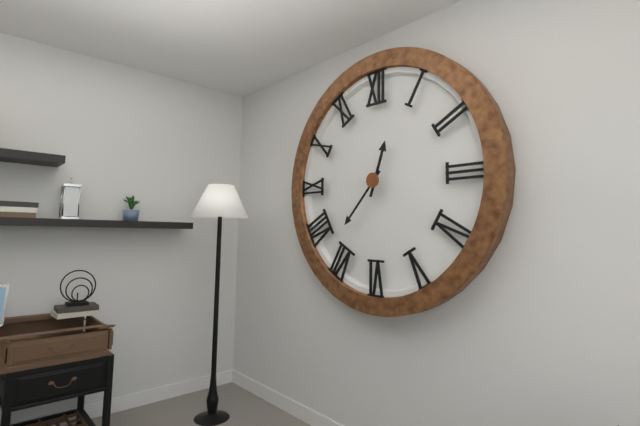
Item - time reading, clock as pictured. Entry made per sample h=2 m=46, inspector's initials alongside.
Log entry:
h=12 m=37
